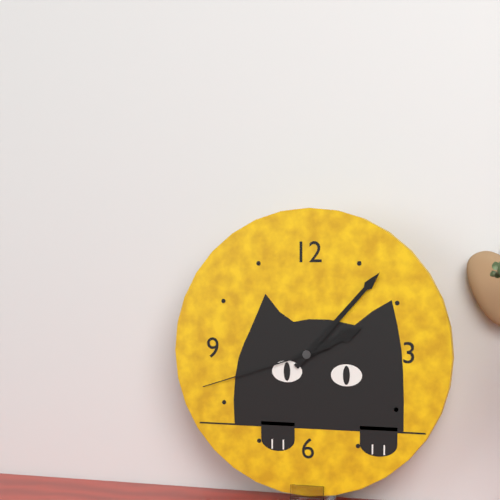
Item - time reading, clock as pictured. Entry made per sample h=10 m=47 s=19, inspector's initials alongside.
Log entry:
h=2 m=7 s=42
